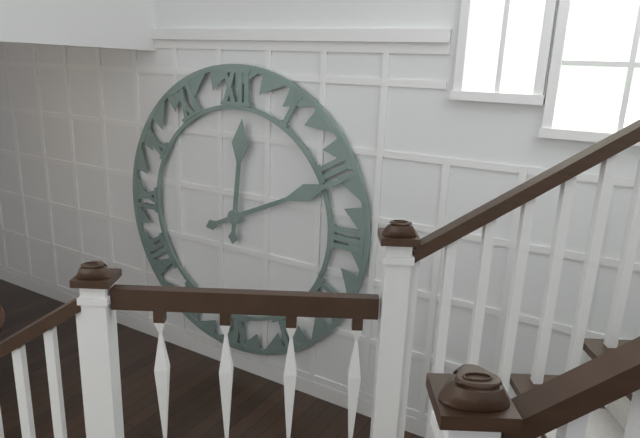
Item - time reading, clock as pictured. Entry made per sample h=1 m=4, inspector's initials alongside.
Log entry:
h=12 m=11
